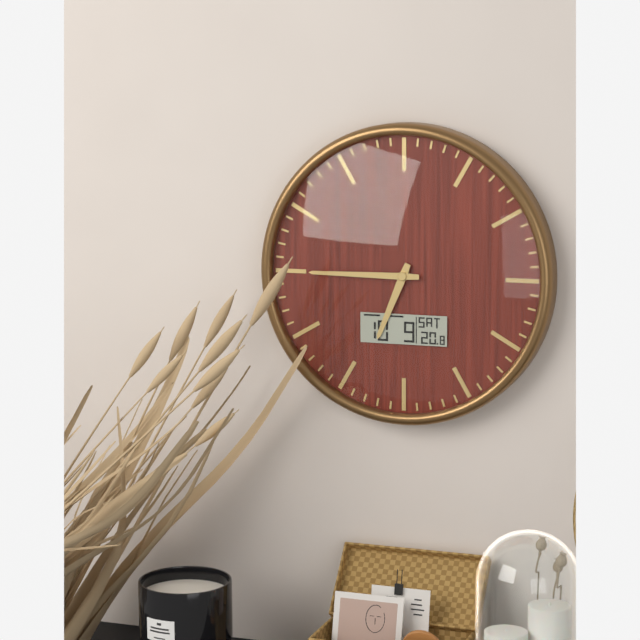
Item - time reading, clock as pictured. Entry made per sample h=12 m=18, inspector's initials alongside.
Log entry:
h=6 m=45
